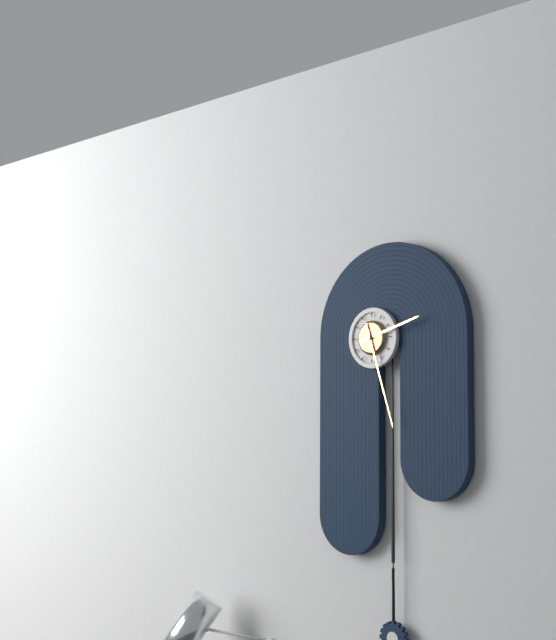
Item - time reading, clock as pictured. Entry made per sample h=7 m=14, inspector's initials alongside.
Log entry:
h=2 m=27
